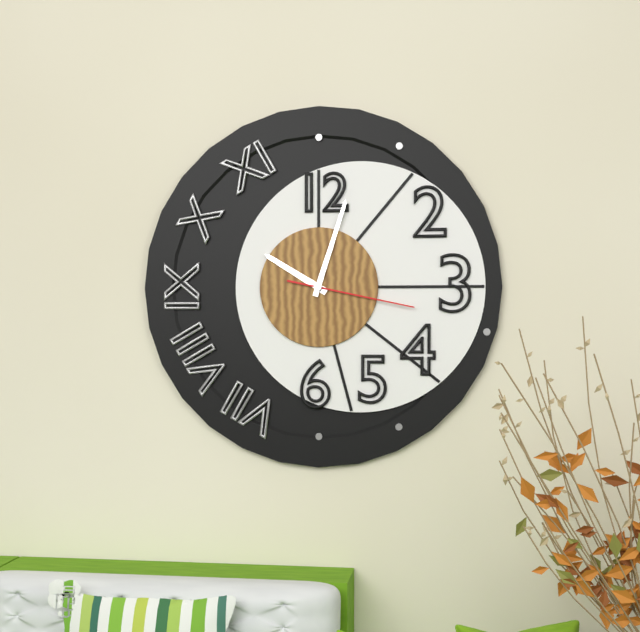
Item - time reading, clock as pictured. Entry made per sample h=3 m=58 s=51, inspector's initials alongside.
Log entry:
h=10 m=3 s=17
